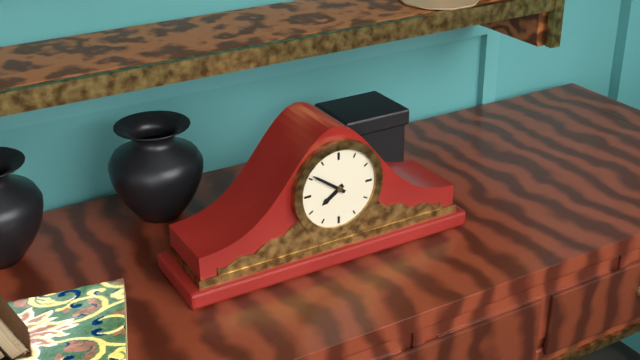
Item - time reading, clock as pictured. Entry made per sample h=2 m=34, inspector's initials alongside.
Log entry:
h=7 m=51
